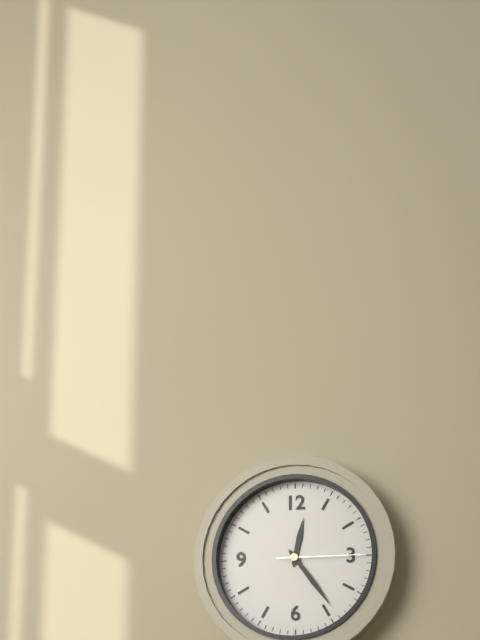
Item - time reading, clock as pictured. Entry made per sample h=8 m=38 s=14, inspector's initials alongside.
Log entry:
h=12 m=24 s=15
